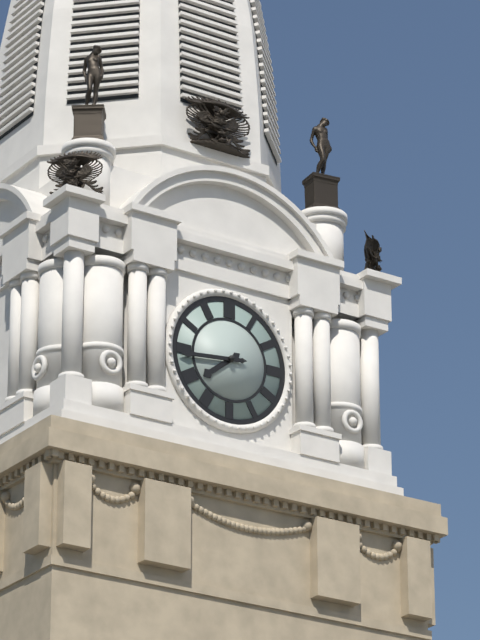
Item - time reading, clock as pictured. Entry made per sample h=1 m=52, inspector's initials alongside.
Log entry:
h=7 m=44
